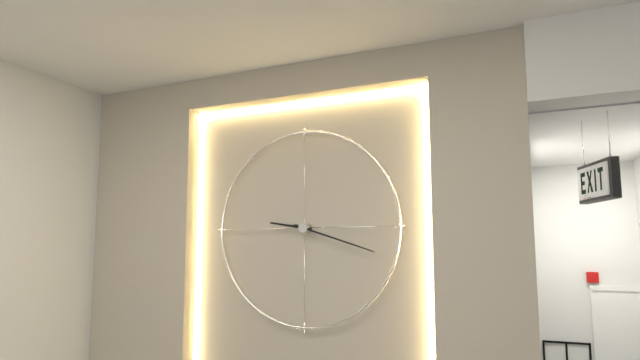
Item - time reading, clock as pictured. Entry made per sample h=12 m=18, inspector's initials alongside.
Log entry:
h=9 m=18
